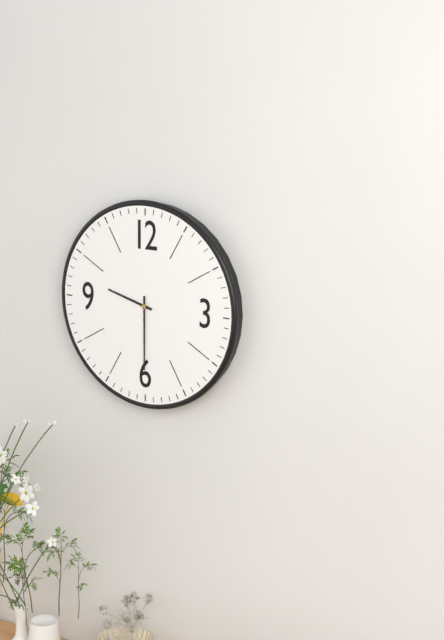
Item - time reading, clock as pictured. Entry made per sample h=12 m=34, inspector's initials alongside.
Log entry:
h=9 m=30
